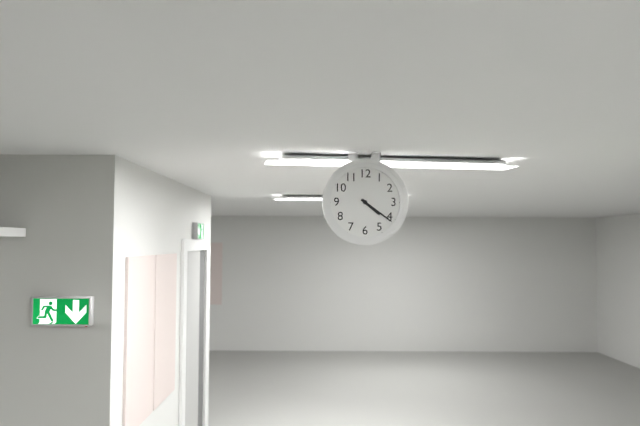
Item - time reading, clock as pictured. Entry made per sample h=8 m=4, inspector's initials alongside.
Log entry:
h=4 m=21
